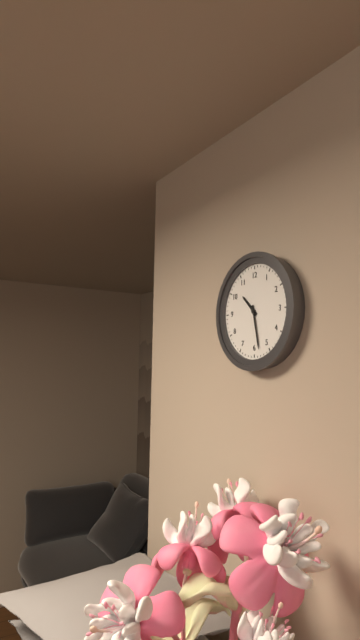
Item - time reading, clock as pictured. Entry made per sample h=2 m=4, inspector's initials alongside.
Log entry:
h=10 m=28
